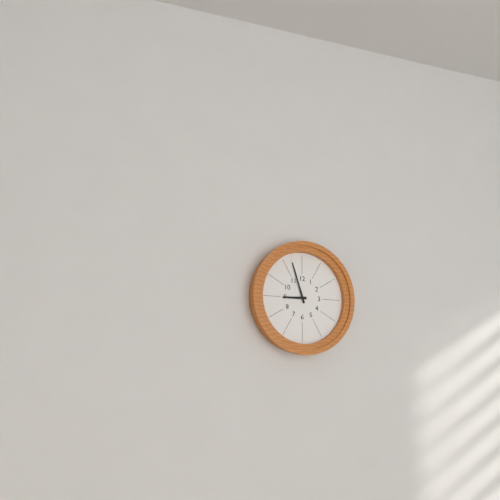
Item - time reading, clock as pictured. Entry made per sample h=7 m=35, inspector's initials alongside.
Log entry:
h=8 m=57
